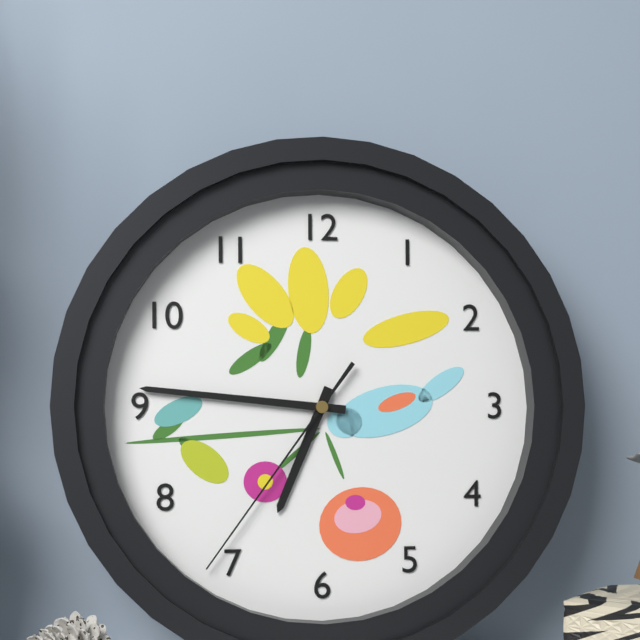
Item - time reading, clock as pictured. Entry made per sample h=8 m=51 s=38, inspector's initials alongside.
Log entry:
h=6 m=46 s=36
